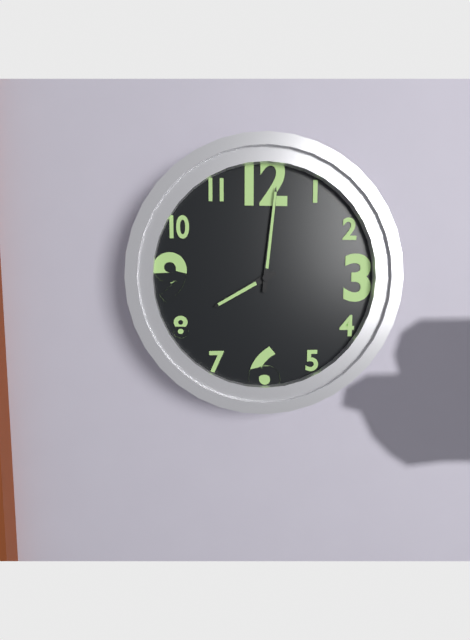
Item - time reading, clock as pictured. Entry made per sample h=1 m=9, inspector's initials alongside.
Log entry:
h=8 m=1
